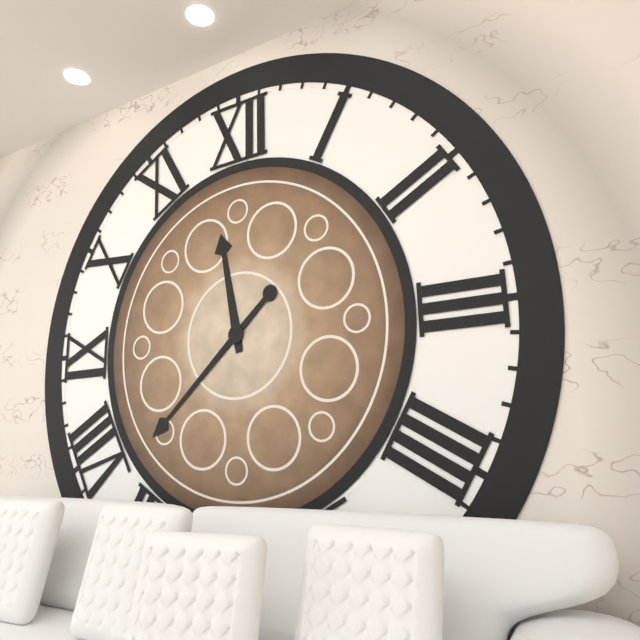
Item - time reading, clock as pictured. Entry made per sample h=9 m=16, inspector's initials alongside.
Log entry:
h=11 m=38
